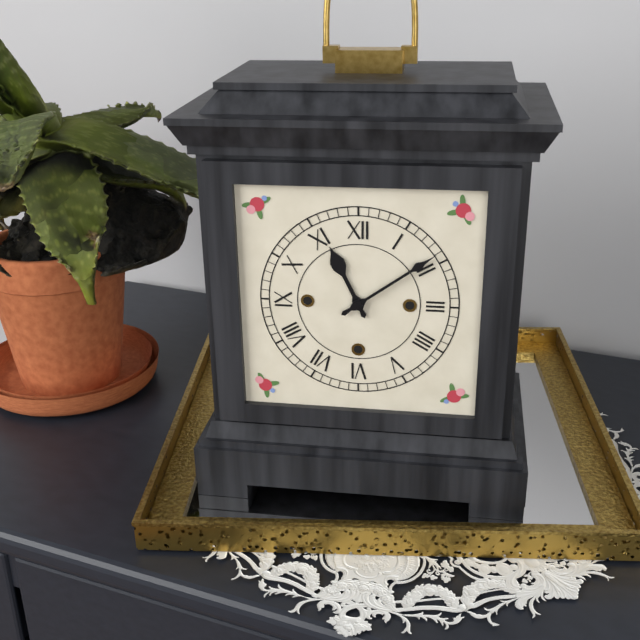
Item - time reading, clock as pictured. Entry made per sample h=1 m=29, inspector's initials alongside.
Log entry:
h=11 m=9
